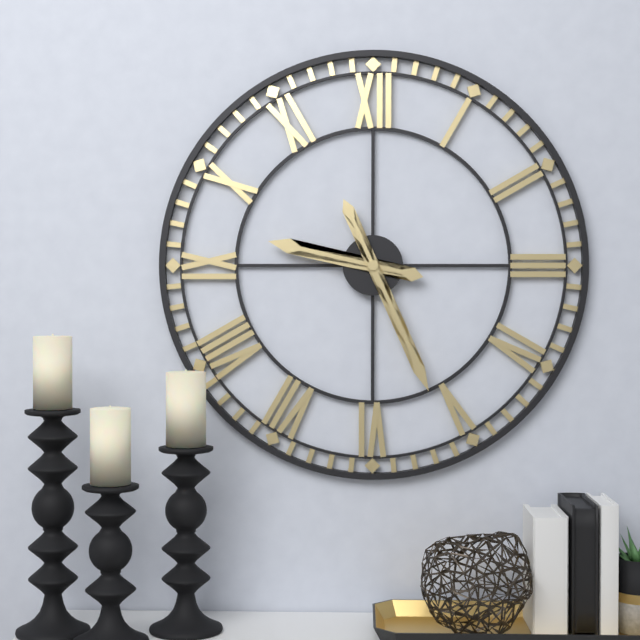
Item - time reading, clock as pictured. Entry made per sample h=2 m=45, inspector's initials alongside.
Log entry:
h=9 m=26
